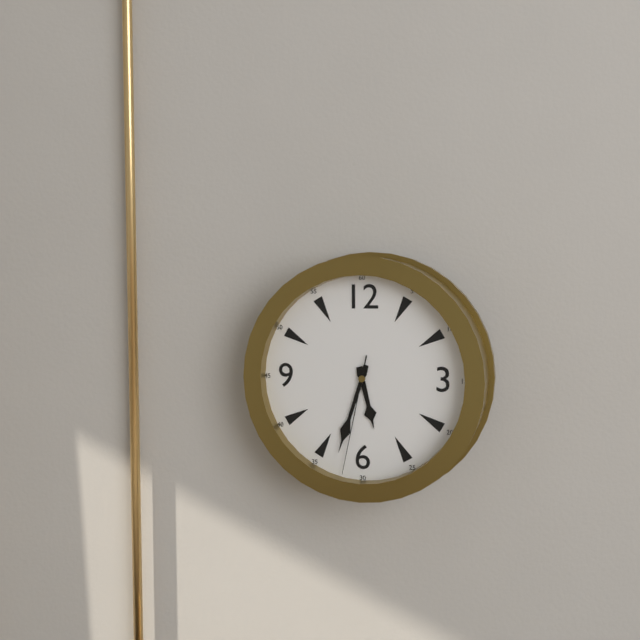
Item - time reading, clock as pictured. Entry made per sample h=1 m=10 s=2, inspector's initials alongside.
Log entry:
h=5 m=33 s=32
